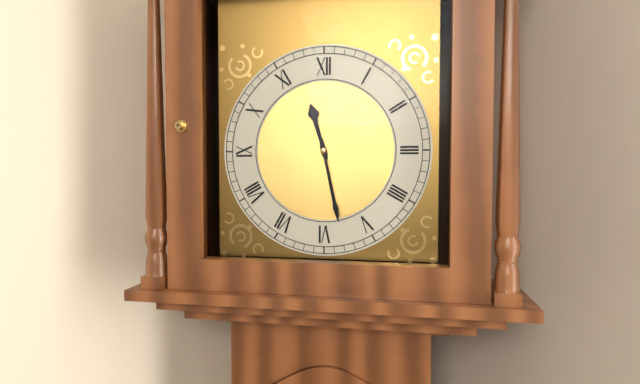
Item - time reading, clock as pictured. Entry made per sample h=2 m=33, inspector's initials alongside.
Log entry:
h=11 m=28
